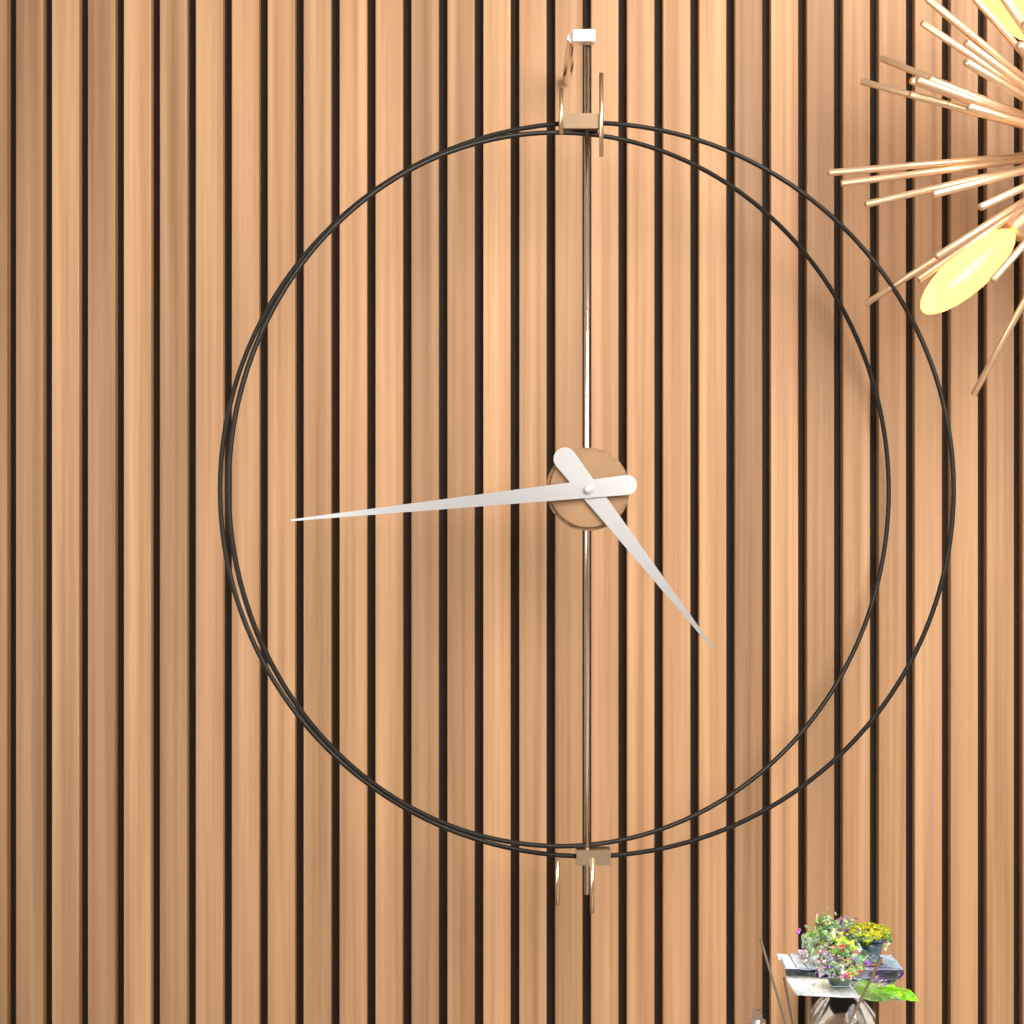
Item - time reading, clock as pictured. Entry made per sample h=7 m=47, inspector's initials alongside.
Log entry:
h=4 m=44
